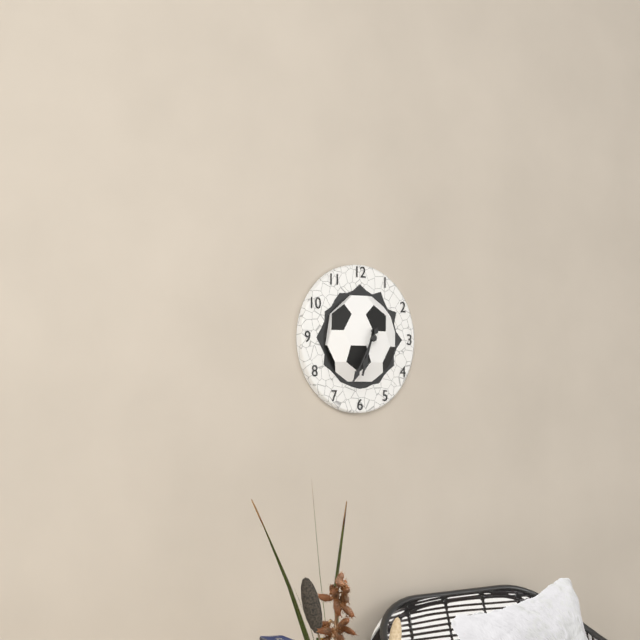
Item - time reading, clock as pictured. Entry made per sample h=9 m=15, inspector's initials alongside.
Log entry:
h=6 m=35
